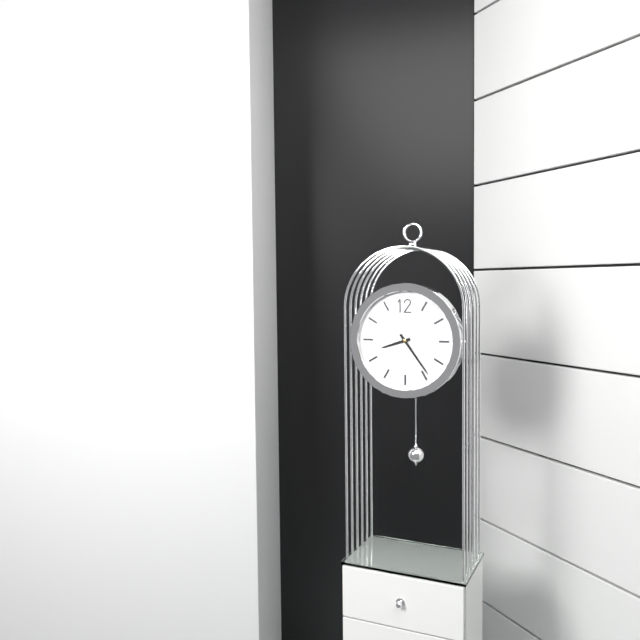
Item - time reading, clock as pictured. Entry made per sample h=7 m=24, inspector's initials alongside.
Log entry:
h=8 m=24
